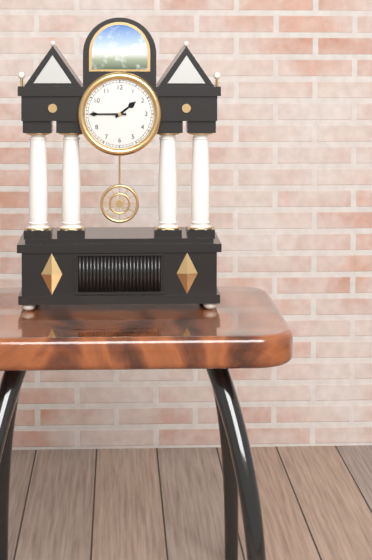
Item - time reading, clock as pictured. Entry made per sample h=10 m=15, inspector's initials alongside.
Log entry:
h=1 m=45
